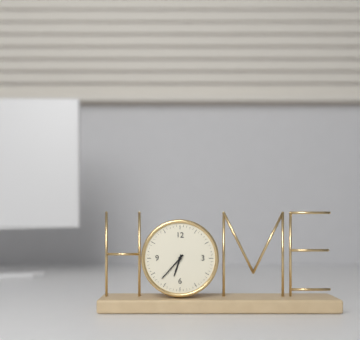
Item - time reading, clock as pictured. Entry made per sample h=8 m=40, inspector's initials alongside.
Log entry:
h=6 m=37
